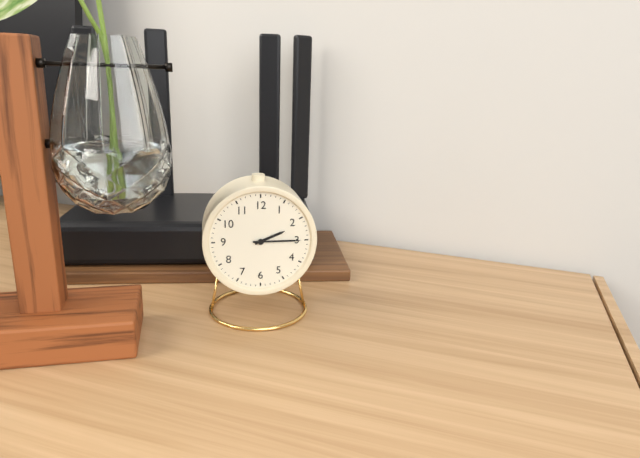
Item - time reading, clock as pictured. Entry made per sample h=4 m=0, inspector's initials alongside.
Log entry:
h=2 m=15
